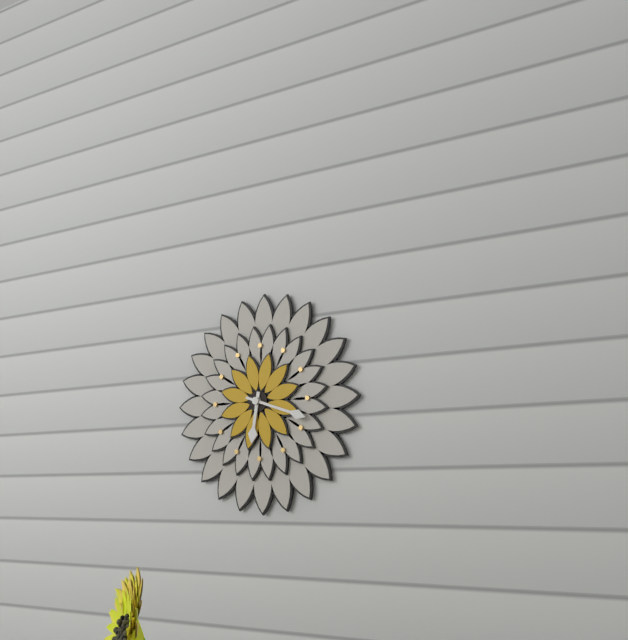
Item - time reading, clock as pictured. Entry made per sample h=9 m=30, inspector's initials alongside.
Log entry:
h=6 m=18
